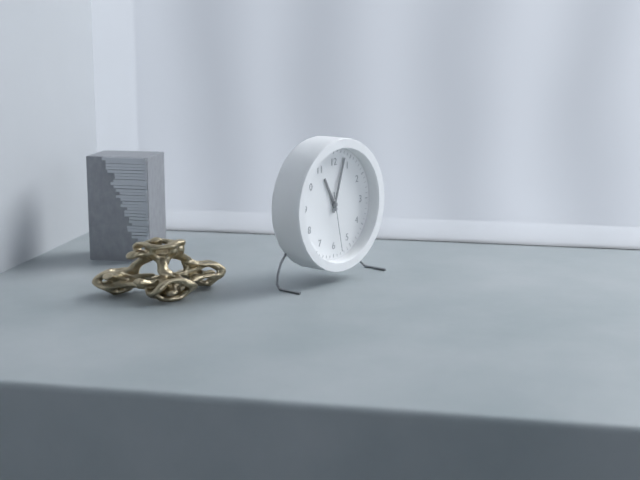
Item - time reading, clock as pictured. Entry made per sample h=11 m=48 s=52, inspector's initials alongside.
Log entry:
h=11 m=3 s=28
